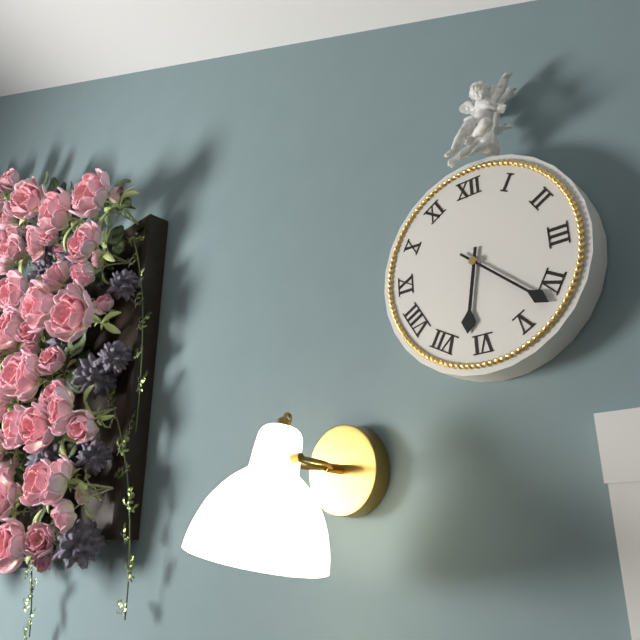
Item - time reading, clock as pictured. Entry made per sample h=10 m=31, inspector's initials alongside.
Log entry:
h=6 m=22
